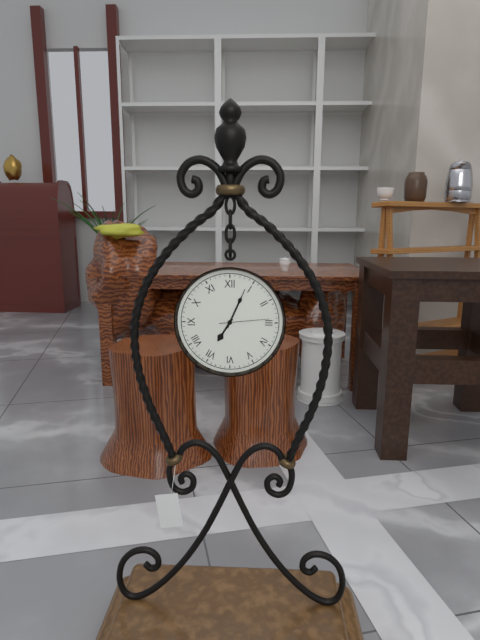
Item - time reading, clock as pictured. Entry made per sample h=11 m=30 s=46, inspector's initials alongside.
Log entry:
h=7 m=4 s=14
